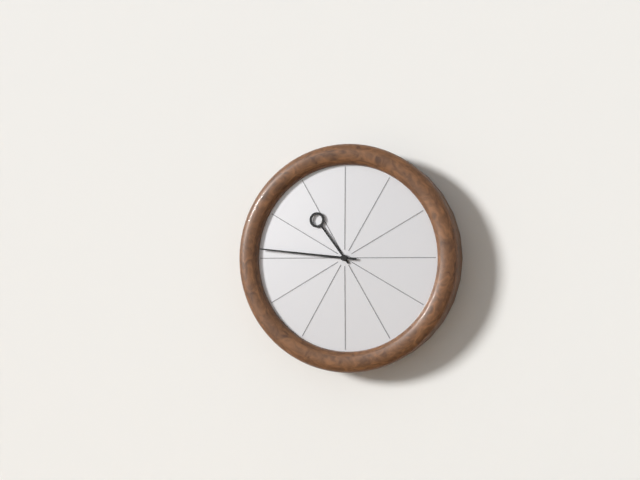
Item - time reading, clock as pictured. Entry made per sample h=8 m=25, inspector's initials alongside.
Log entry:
h=10 m=46
